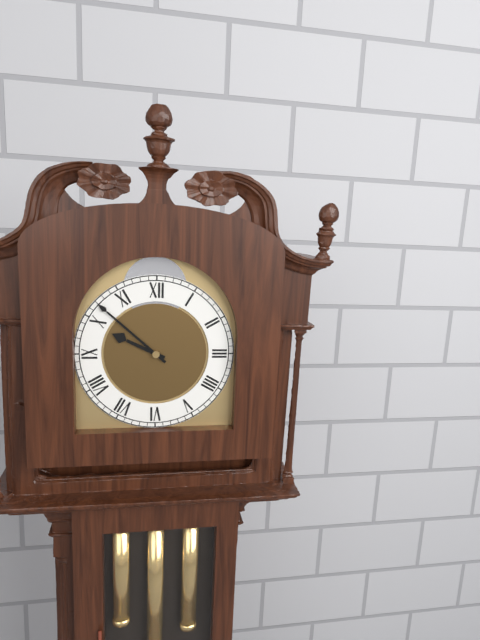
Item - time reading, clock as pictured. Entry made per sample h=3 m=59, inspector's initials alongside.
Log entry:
h=9 m=52
